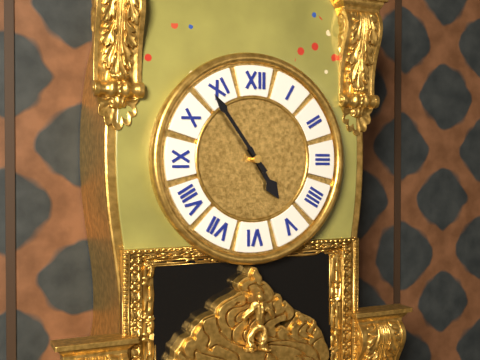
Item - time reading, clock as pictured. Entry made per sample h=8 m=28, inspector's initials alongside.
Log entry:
h=4 m=54
